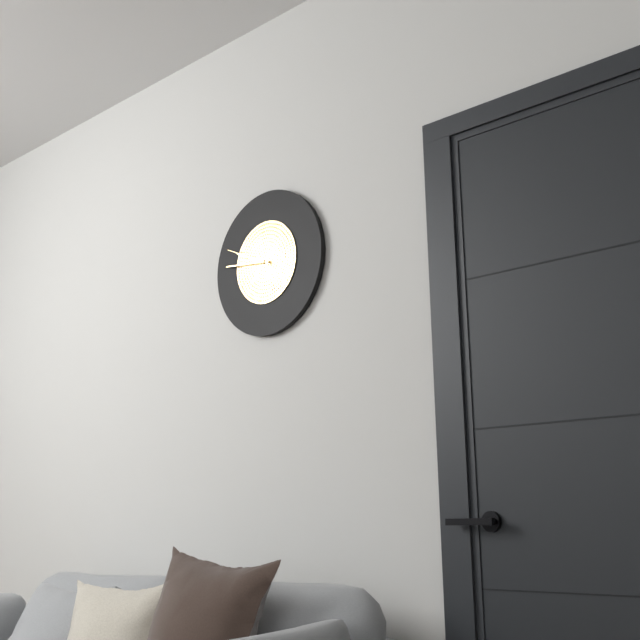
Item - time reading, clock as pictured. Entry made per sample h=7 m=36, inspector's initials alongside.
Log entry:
h=9 m=46
